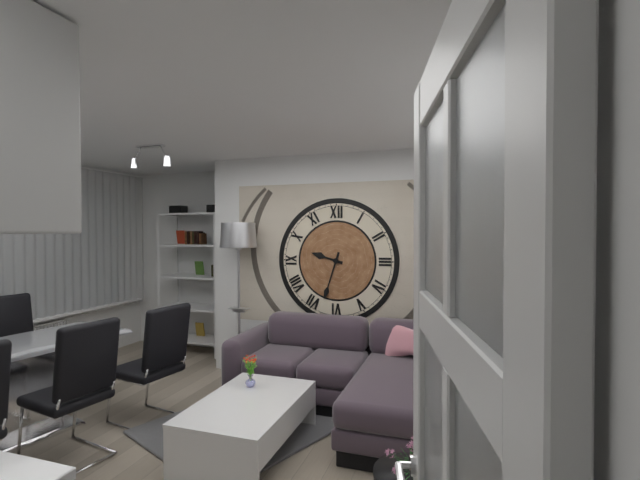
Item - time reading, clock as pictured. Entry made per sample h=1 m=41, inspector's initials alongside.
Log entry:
h=9 m=33
